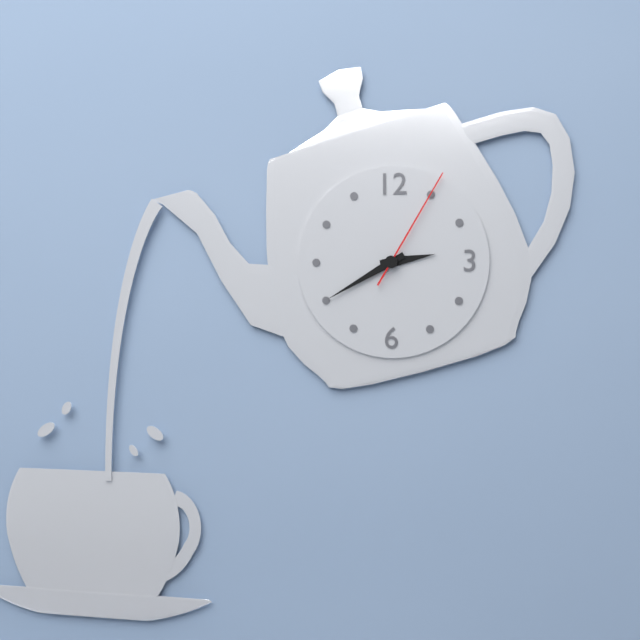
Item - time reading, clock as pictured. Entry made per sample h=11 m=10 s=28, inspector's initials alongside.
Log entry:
h=2 m=40 s=5
